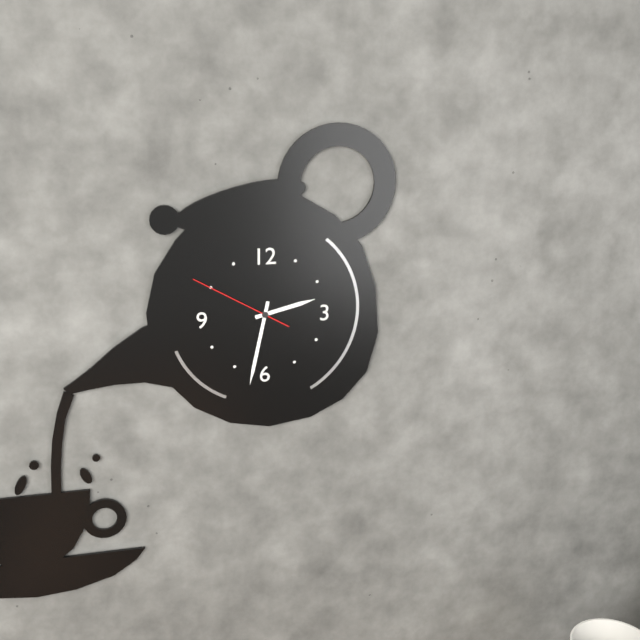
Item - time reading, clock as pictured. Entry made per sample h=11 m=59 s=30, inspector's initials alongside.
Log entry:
h=2 m=32 s=50
